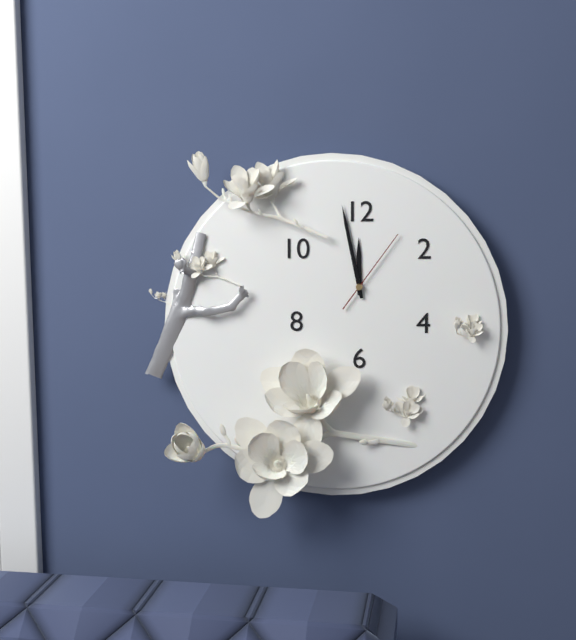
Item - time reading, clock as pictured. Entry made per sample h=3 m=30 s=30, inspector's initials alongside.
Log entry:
h=11 m=58 s=6
